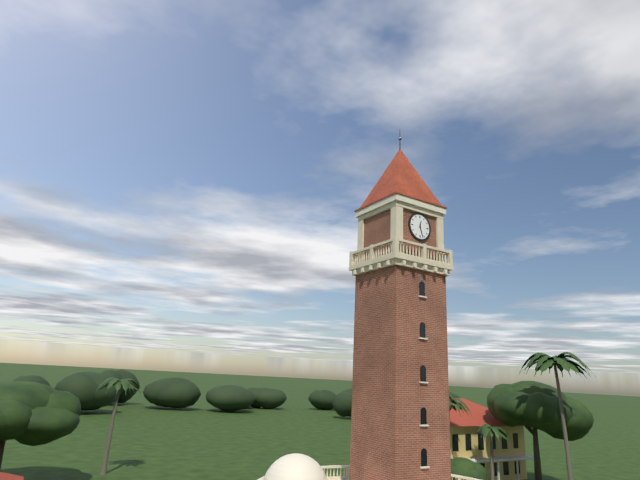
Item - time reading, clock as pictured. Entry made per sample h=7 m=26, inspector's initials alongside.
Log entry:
h=12 m=27
